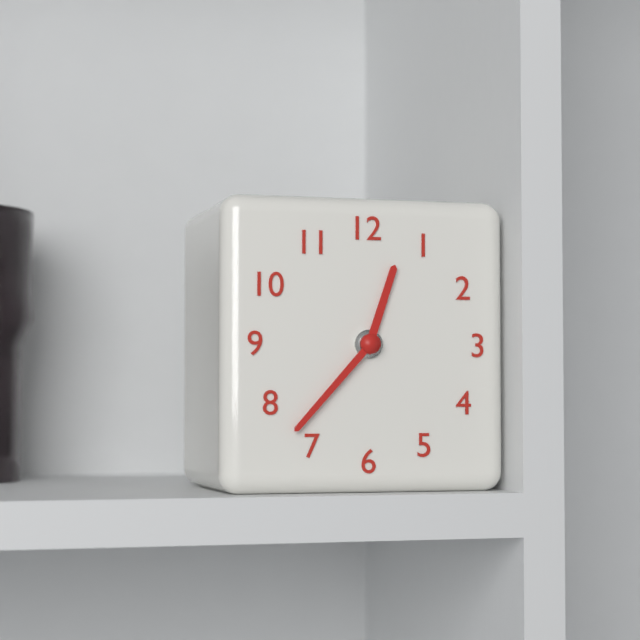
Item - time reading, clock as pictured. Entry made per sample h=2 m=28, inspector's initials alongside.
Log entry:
h=12 m=37
